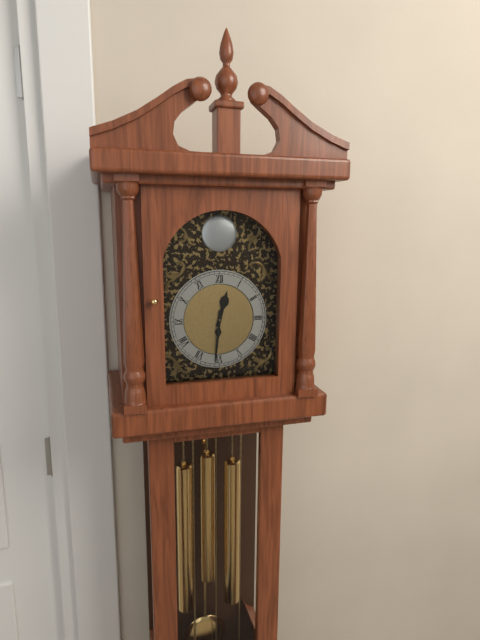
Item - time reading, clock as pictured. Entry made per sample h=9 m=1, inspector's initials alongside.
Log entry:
h=12 m=31
